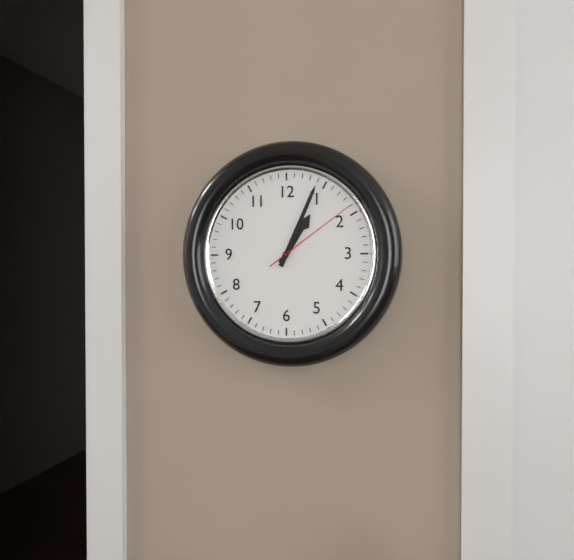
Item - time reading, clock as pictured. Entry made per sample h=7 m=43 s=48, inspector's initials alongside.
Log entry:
h=1 m=4 s=9
